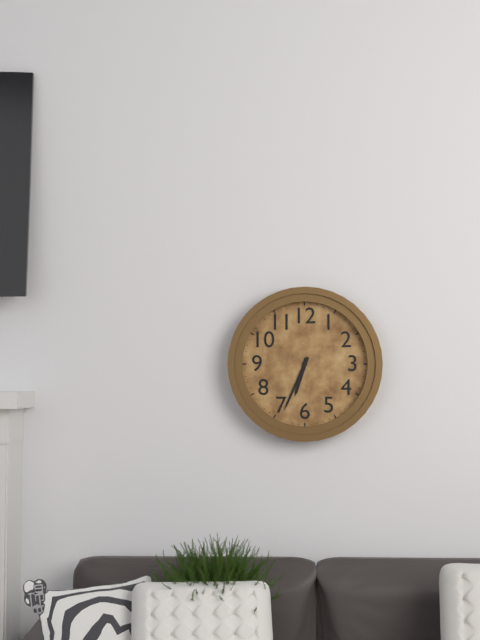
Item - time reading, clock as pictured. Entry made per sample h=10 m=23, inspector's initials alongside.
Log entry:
h=6 m=34
